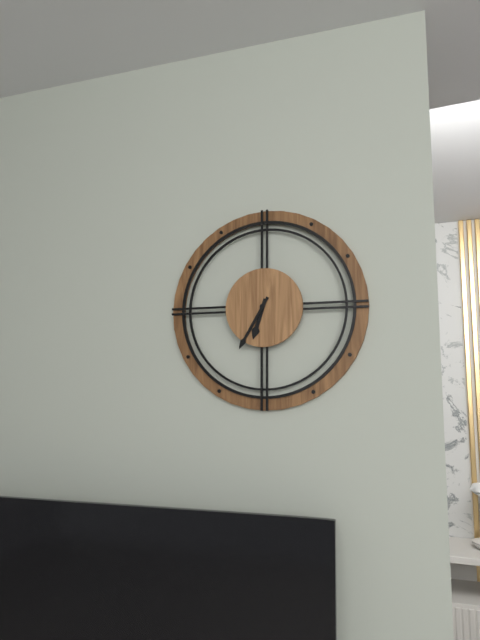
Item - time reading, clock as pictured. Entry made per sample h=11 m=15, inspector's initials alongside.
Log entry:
h=6 m=35
